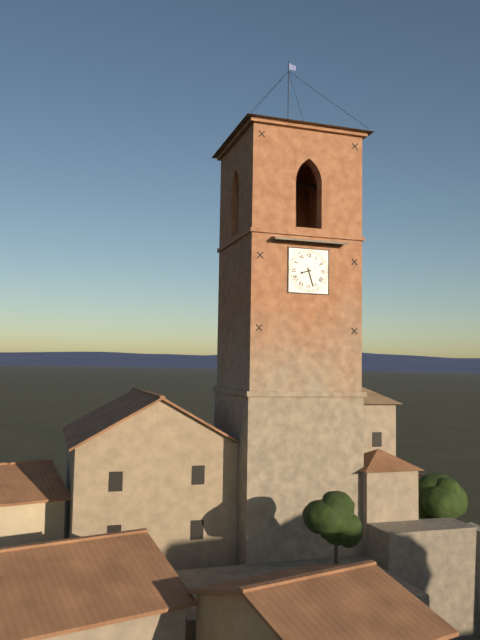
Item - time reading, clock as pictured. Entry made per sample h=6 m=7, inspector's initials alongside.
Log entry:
h=8 m=27
